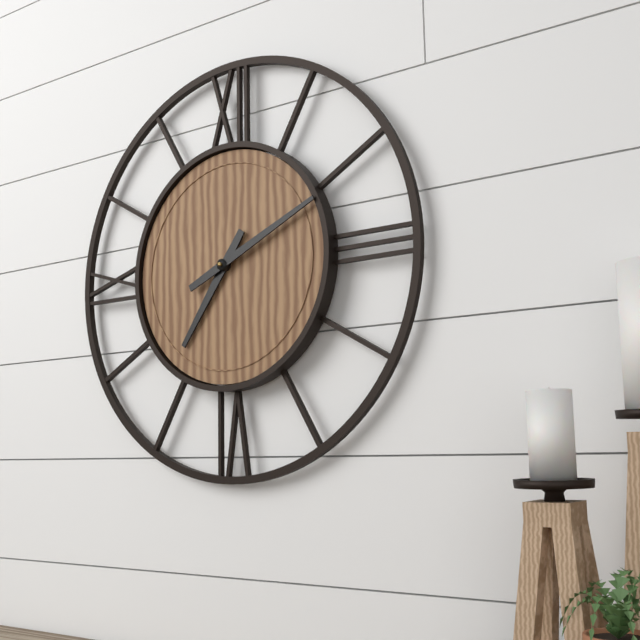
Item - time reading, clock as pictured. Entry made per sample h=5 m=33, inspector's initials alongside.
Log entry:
h=7 m=11
